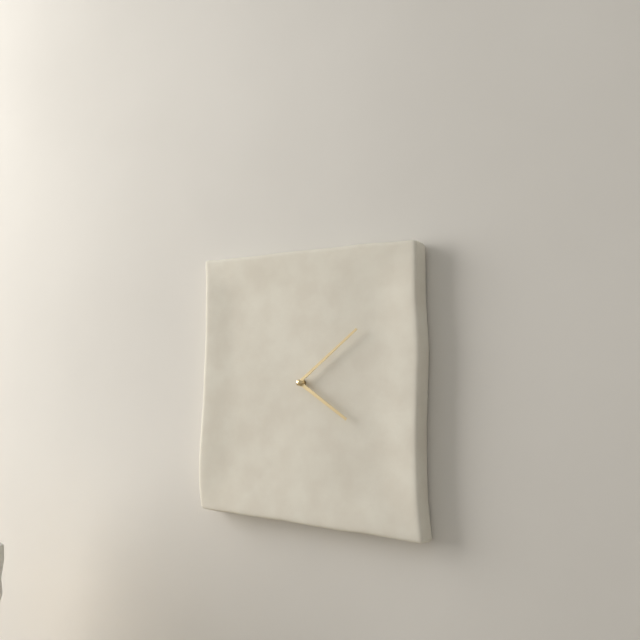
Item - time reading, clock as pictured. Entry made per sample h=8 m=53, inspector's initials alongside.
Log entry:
h=4 m=9
